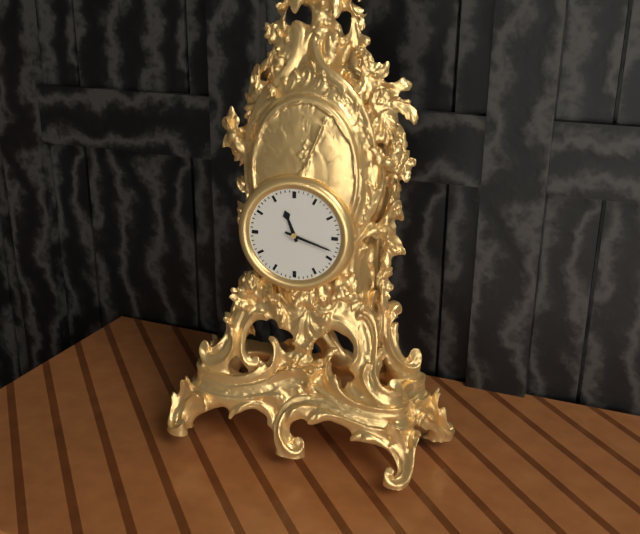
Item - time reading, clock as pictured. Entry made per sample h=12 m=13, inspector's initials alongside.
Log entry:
h=11 m=18
